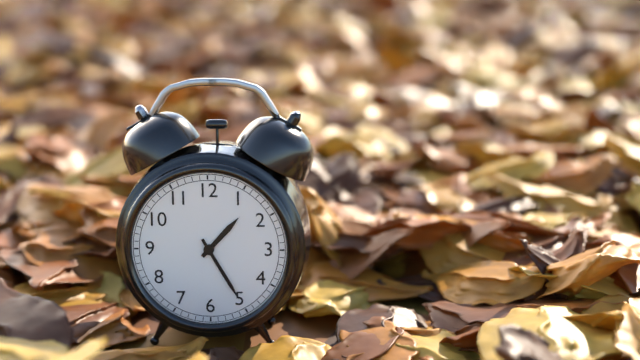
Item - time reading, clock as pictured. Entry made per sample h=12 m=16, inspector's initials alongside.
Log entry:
h=1 m=25
